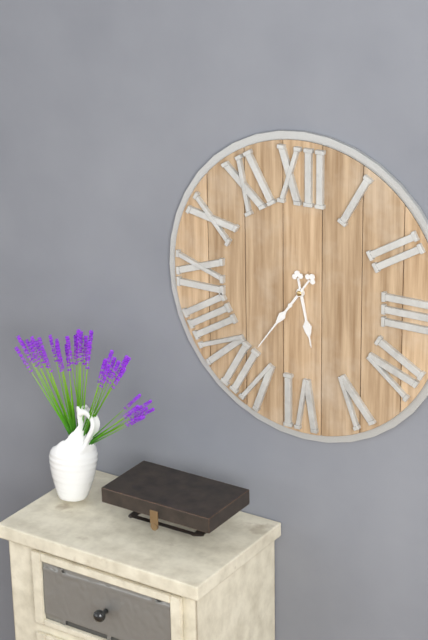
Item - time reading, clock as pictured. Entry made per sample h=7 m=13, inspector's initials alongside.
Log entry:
h=5 m=36
